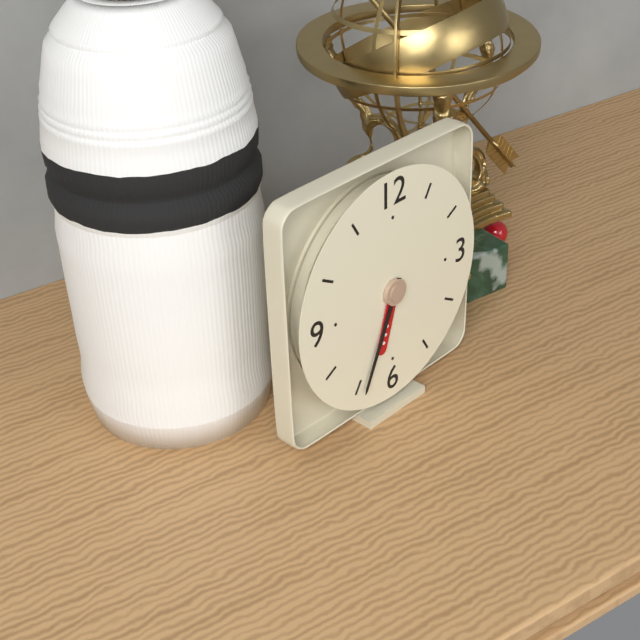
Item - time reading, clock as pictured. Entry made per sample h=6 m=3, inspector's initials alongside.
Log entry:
h=6 m=34
